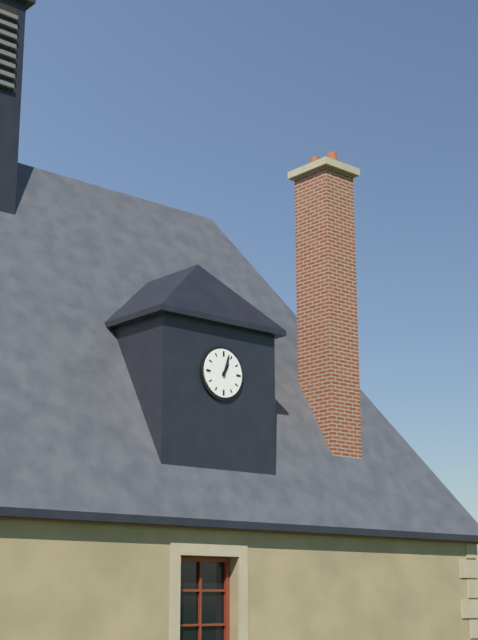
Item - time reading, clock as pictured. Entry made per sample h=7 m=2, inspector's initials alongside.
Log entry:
h=1 m=3
